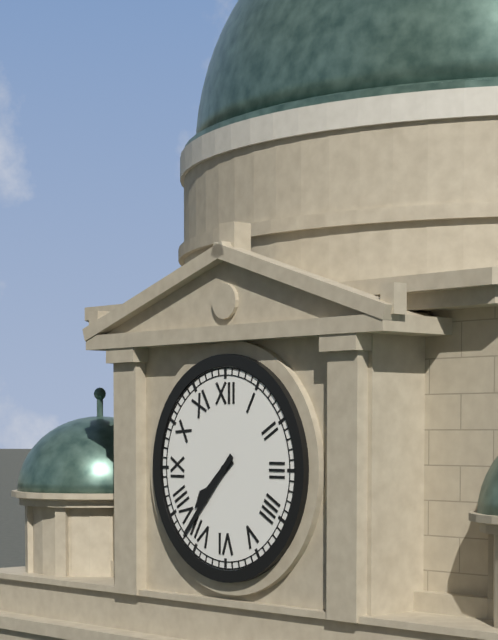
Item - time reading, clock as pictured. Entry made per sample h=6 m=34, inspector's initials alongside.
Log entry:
h=7 m=37
